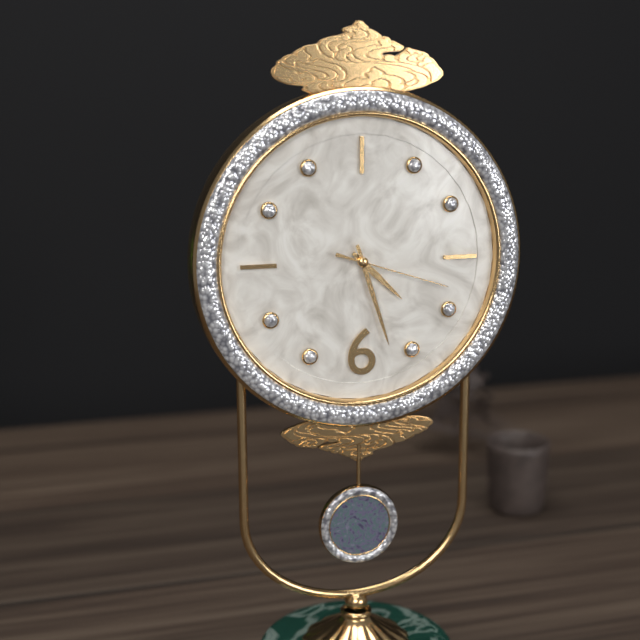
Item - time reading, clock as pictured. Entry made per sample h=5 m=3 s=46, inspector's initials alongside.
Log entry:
h=4 m=27 s=18
